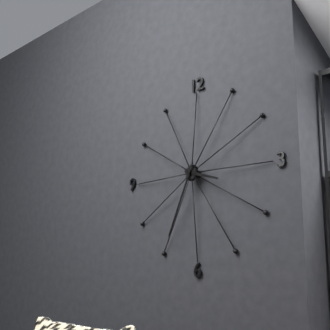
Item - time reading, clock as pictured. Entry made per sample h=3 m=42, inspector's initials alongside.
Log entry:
h=3 m=34
